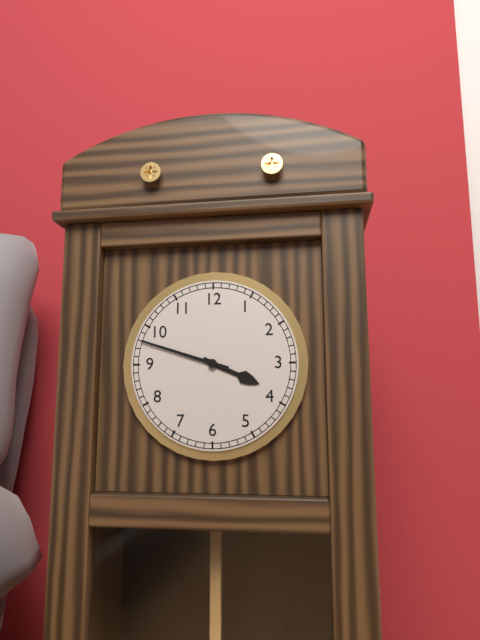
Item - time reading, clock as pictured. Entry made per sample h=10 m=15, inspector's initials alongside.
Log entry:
h=3 m=48
